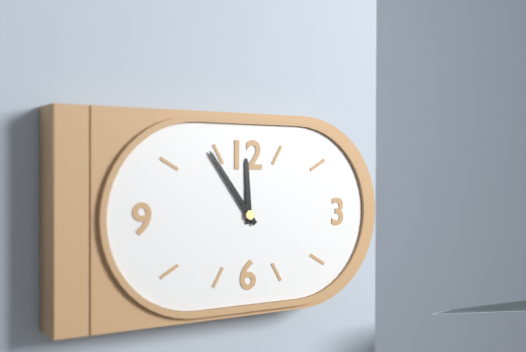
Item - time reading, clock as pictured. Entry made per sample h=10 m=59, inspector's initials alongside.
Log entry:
h=11 m=54
